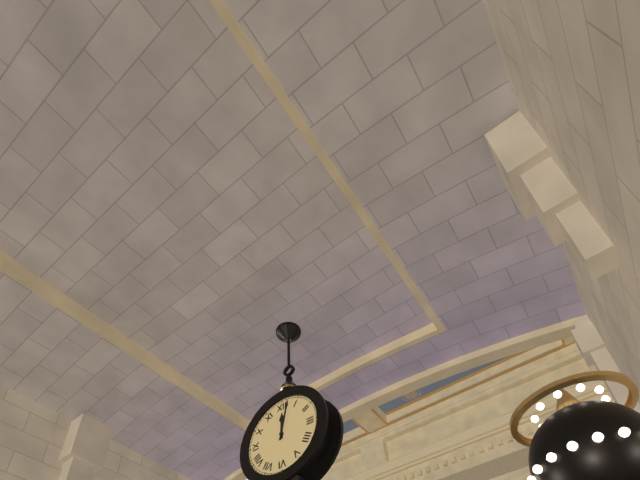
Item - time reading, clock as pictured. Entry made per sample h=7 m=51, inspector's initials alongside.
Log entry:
h=12 m=2
